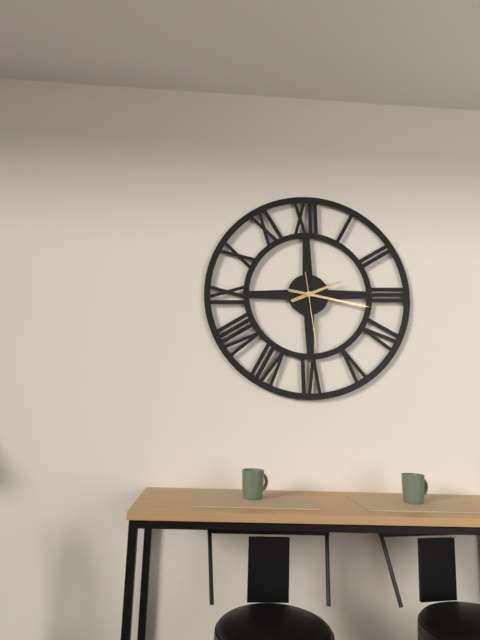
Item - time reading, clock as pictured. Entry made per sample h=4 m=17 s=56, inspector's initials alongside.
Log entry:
h=2 m=17 s=29
